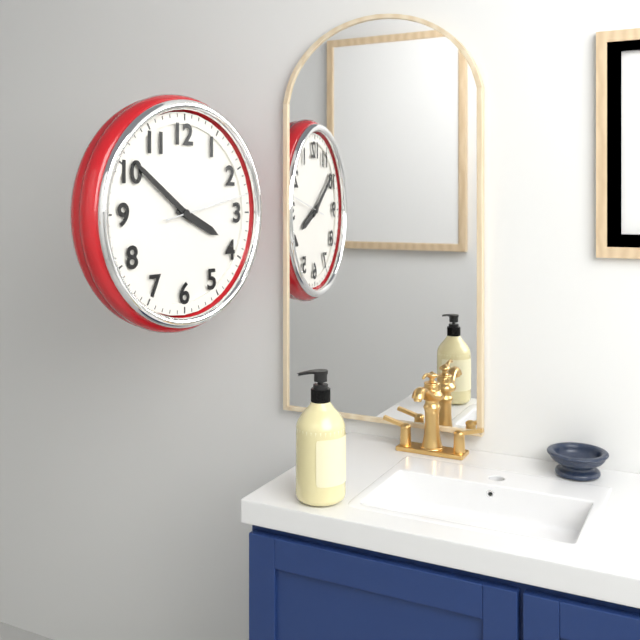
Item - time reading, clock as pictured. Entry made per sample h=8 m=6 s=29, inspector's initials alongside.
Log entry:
h=3 m=51 s=13
